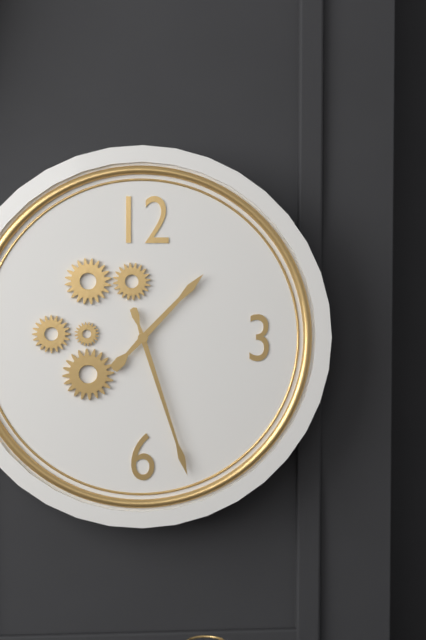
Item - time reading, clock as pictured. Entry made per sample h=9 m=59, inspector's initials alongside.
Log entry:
h=1 m=27
